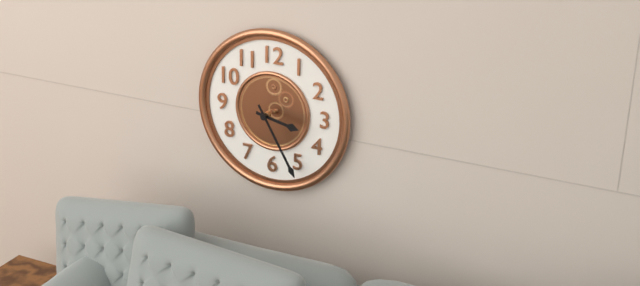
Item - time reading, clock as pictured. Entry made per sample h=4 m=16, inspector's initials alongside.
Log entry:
h=3 m=25
